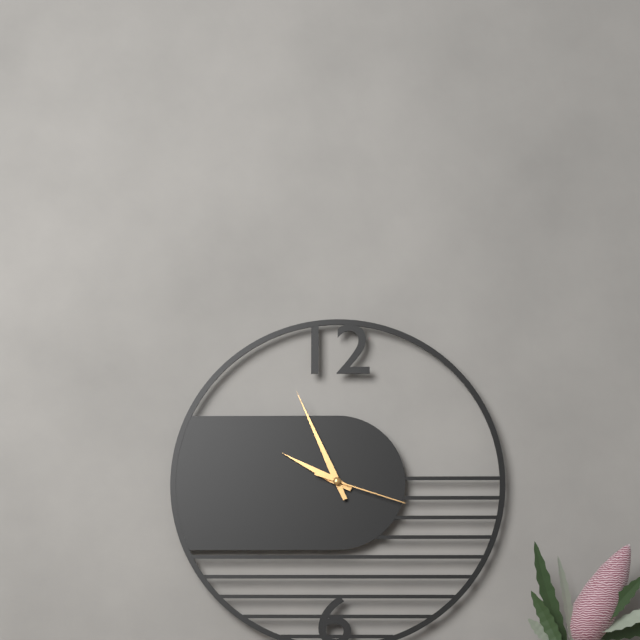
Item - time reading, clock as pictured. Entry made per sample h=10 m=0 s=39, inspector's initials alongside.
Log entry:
h=9 m=56 s=18
